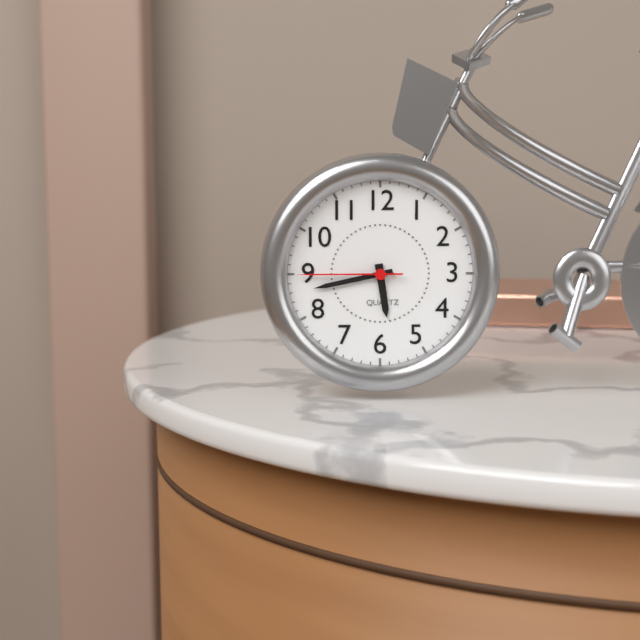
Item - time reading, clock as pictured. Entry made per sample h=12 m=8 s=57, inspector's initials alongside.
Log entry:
h=5 m=43 s=45
